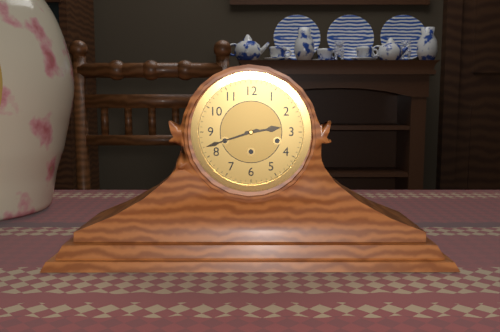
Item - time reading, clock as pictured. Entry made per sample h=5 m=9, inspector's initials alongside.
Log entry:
h=2 m=42
